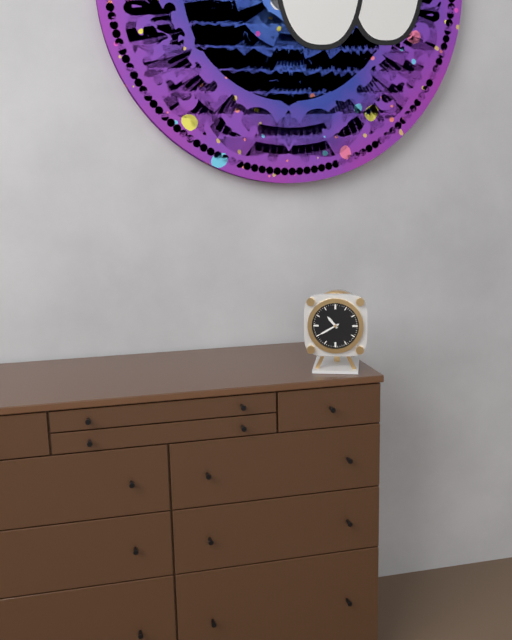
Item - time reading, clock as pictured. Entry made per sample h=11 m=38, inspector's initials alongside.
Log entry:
h=10 m=40
